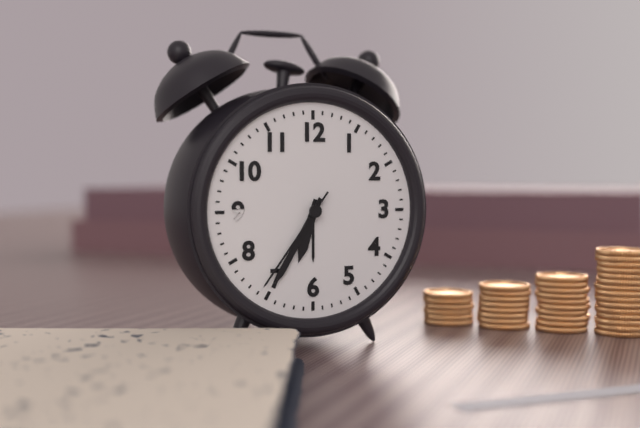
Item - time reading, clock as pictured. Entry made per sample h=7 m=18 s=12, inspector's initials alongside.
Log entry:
h=6 m=35 s=36
